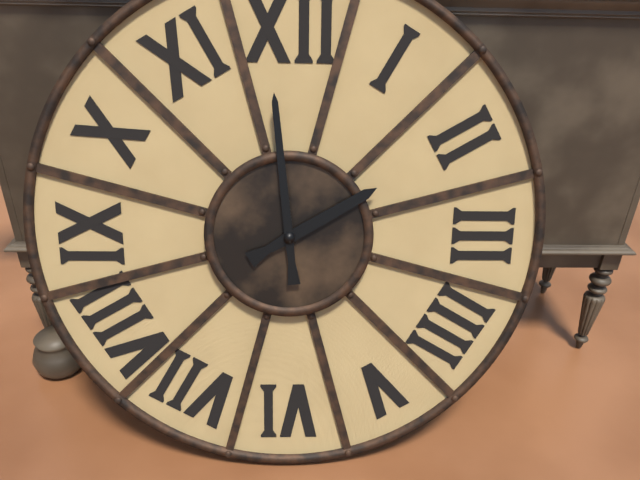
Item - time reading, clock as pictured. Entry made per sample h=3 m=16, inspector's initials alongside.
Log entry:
h=1 m=59
